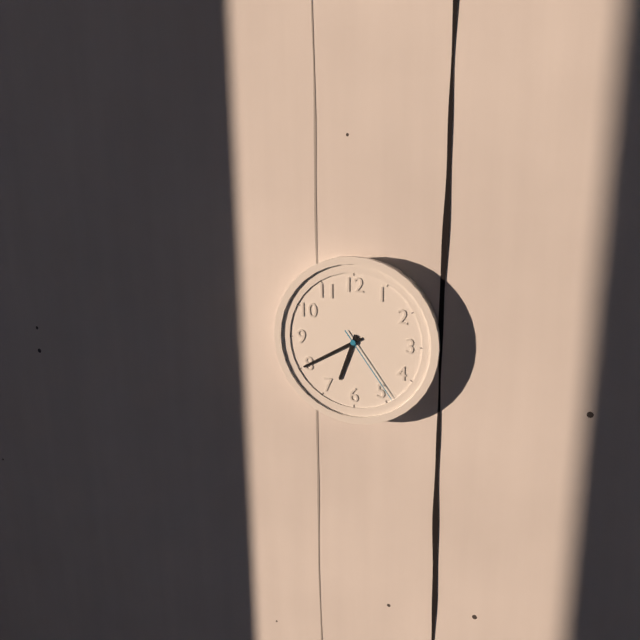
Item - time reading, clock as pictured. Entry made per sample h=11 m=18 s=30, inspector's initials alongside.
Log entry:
h=6 m=40 s=24
